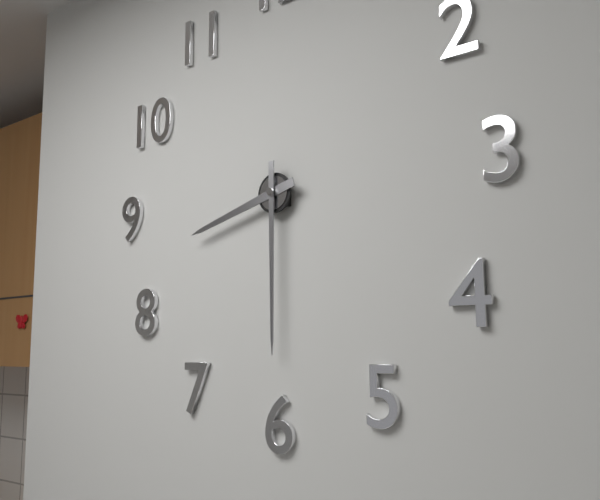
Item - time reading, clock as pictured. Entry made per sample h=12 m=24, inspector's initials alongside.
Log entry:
h=8 m=30
